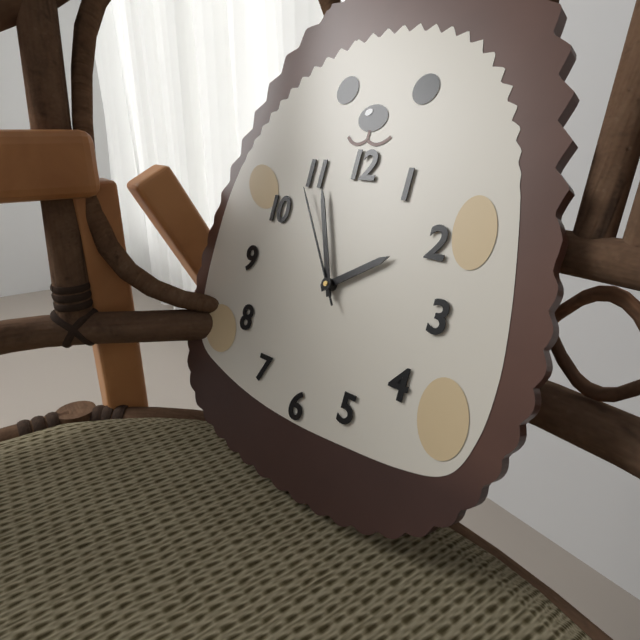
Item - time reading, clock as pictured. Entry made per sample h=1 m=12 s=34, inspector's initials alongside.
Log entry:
h=1 m=56 s=54
